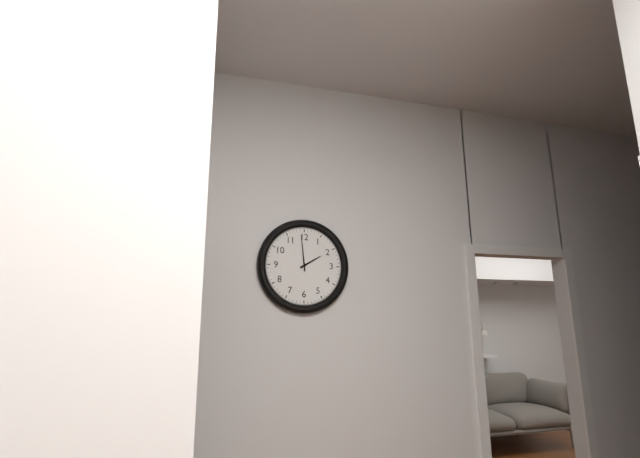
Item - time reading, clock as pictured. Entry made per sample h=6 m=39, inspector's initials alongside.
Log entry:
h=1 m=59
